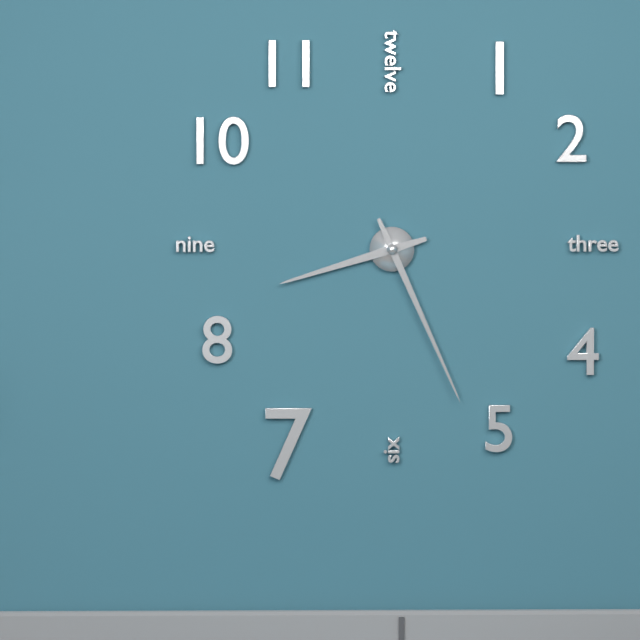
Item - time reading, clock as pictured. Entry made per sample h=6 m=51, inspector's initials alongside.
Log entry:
h=8 m=26
